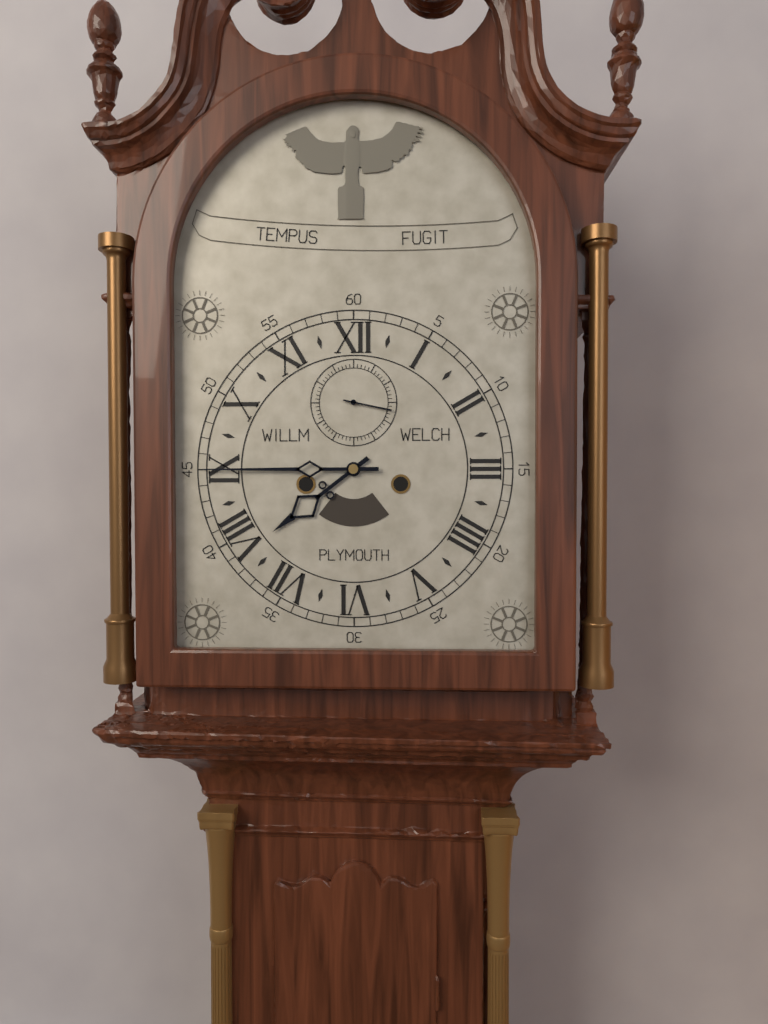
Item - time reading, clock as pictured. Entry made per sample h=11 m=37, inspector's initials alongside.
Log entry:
h=7 m=45
